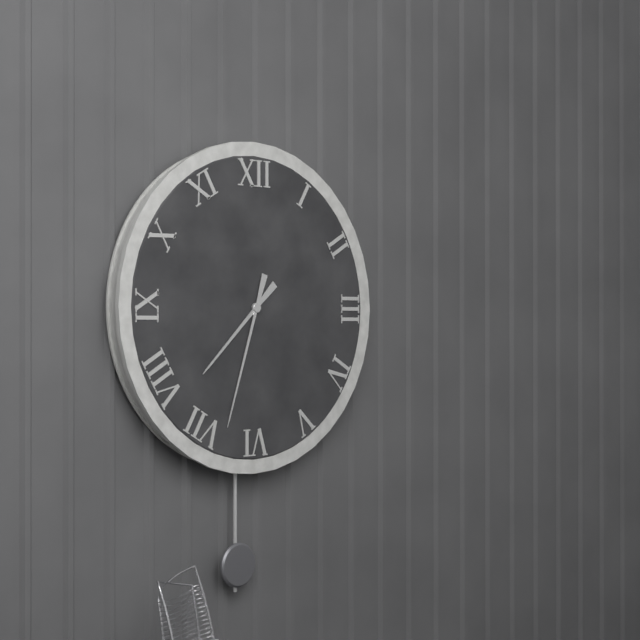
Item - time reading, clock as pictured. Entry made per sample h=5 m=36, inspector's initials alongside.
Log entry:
h=7 m=33
